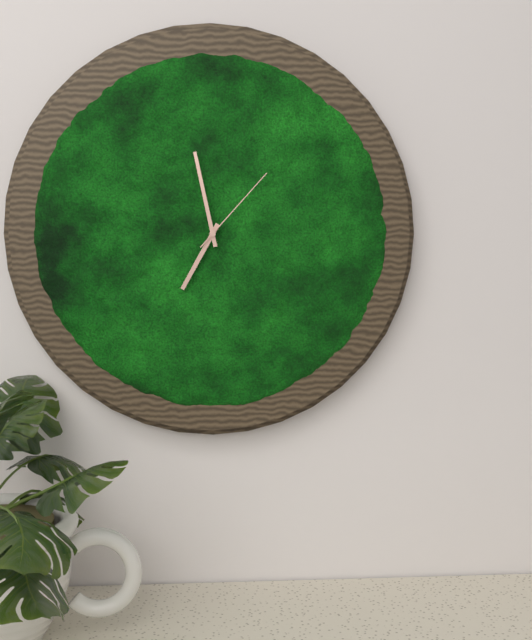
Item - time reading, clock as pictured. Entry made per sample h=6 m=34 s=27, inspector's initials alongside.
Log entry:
h=6 m=58 s=7
